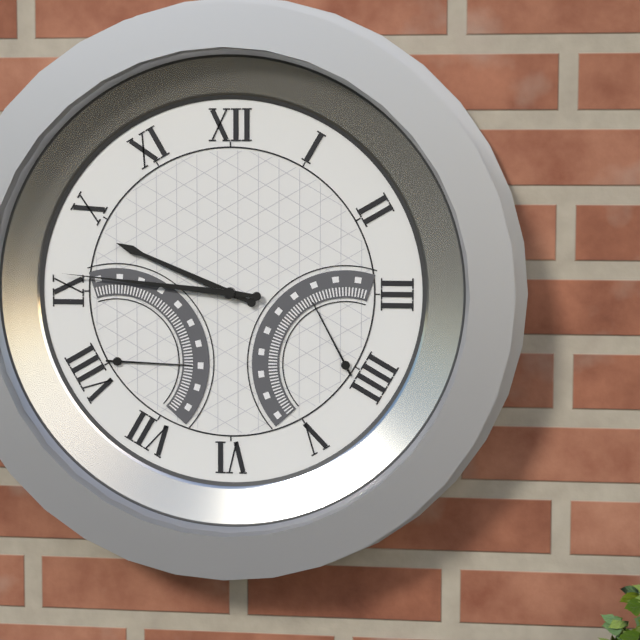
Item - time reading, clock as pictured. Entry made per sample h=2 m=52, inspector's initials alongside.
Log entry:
h=9 m=46
